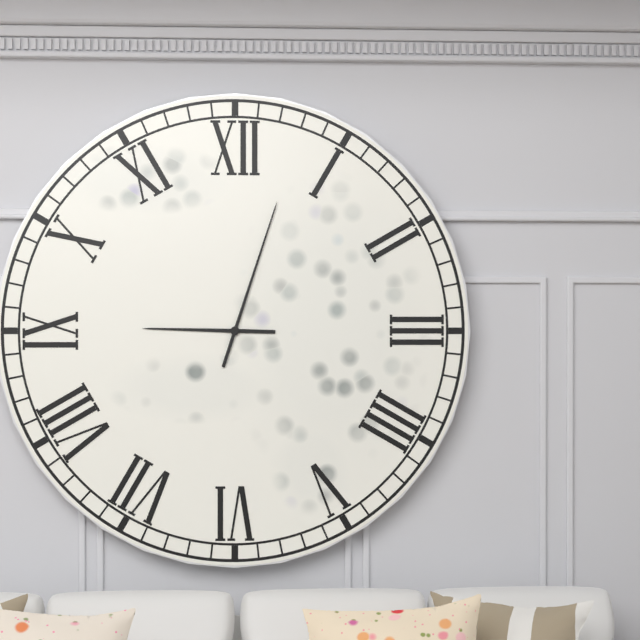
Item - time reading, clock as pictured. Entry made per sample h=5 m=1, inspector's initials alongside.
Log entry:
h=9 m=3
